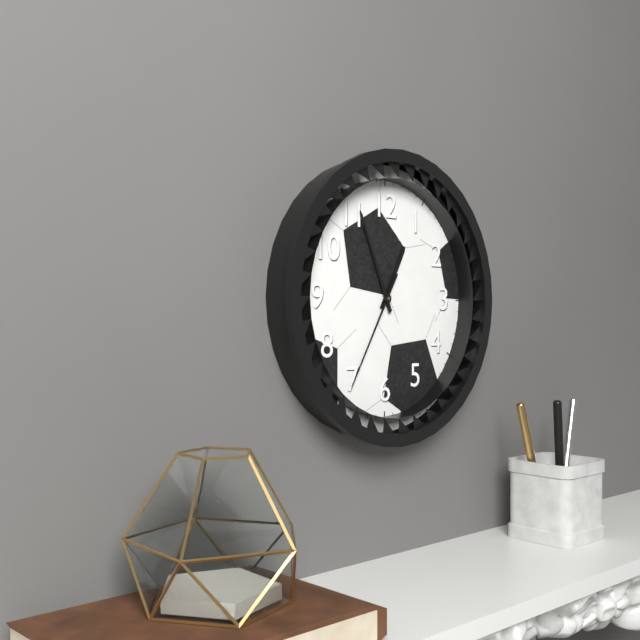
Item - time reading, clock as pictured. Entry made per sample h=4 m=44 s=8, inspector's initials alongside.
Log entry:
h=12 m=56 s=35
